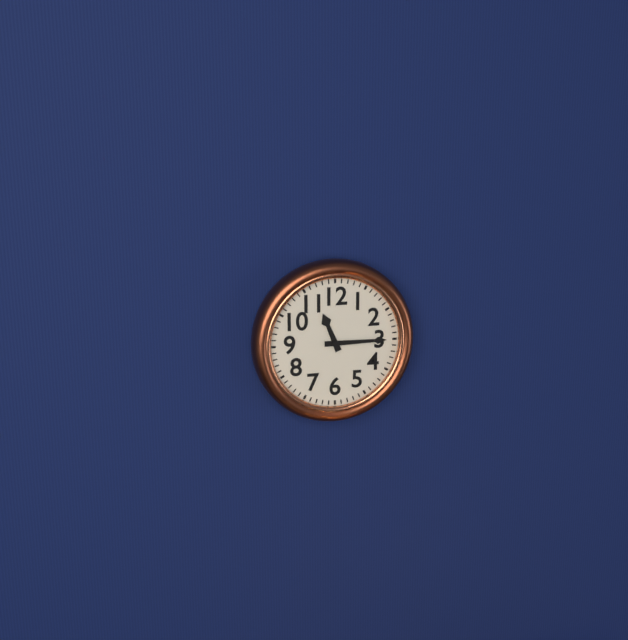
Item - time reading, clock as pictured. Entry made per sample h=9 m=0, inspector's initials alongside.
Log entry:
h=11 m=15
